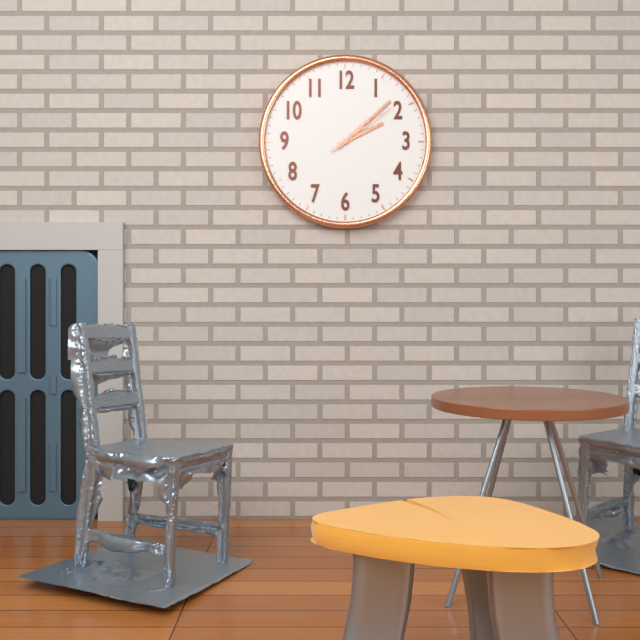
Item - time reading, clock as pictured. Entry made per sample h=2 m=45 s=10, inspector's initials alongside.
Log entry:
h=2 m=8 s=9
